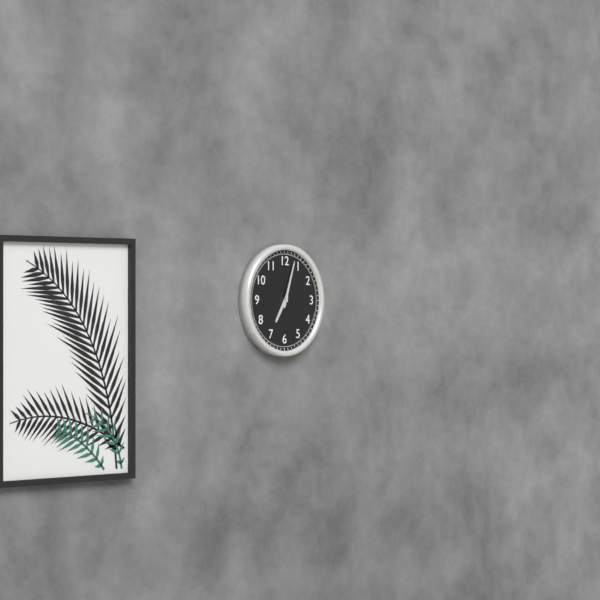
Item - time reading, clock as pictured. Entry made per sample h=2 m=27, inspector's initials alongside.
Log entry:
h=7 m=3
